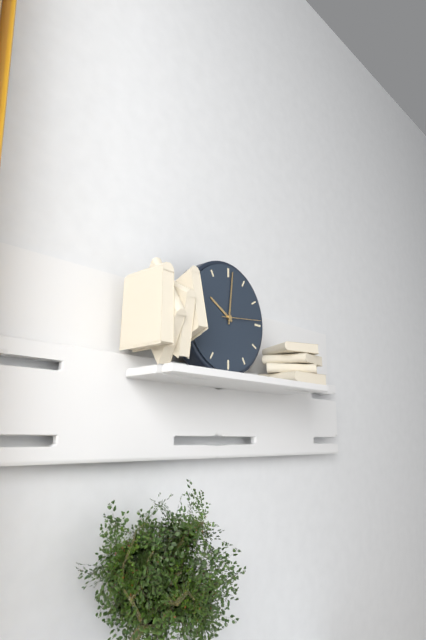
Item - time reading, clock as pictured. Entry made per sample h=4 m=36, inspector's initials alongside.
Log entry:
h=10 m=1
